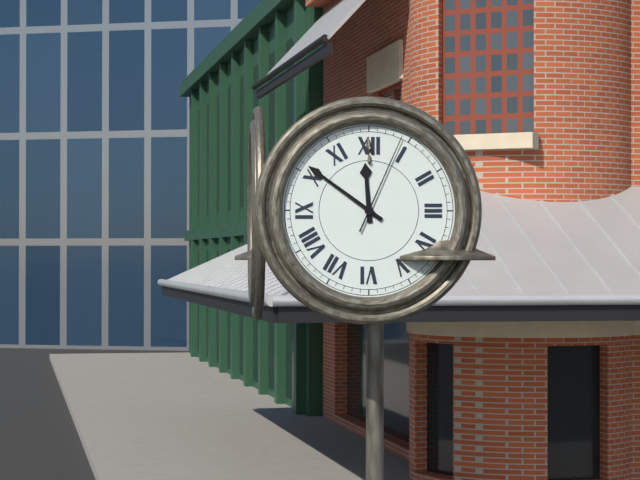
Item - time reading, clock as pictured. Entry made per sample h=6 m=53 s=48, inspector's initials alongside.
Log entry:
h=11 m=51 s=4
